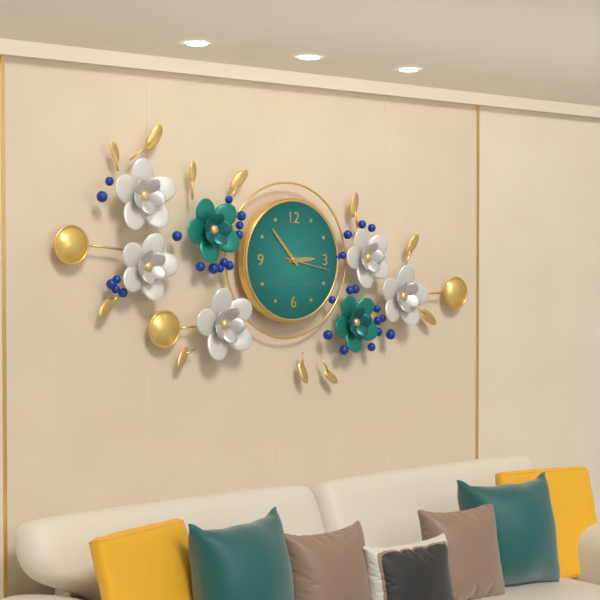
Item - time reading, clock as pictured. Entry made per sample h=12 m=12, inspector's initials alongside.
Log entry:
h=2 m=53
